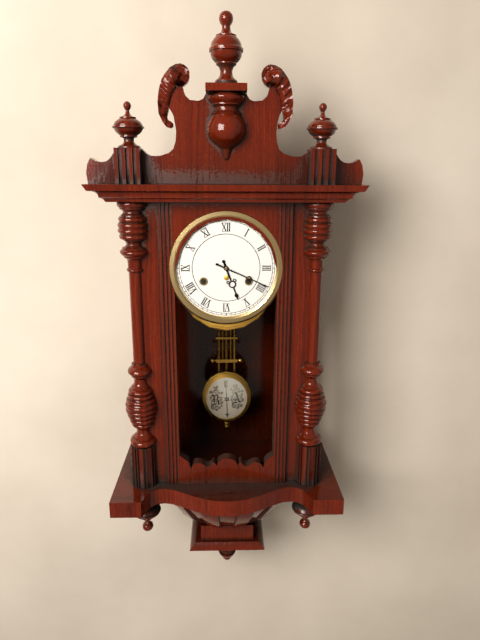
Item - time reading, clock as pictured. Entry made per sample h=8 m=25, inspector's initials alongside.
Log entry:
h=5 m=19
